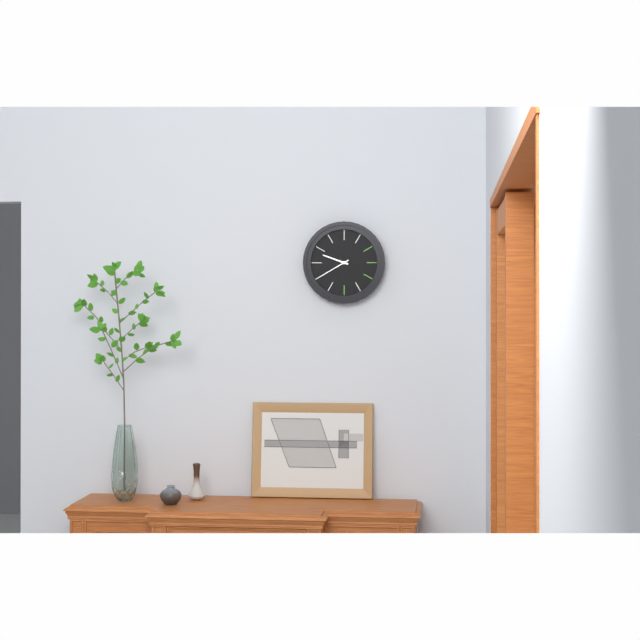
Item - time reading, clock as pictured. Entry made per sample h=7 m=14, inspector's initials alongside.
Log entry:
h=9 m=40
